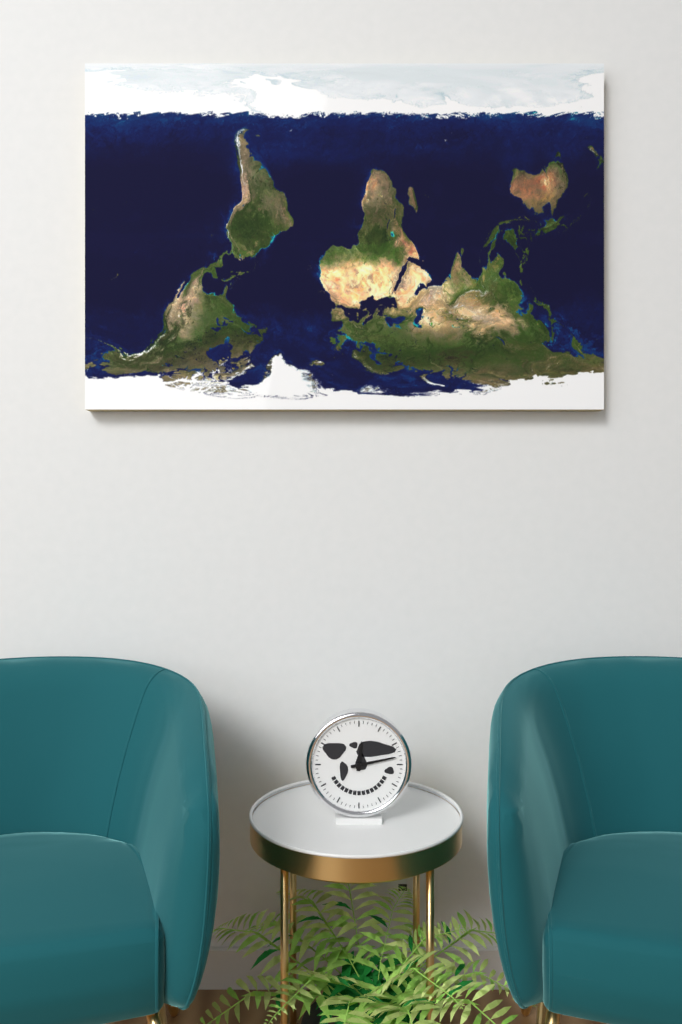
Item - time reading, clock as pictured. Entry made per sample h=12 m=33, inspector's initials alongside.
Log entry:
h=12 m=13
